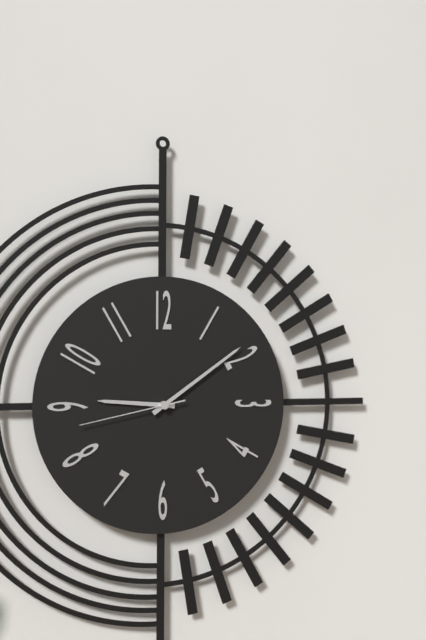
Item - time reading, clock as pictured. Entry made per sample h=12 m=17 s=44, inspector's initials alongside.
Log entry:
h=9 m=9 s=43
